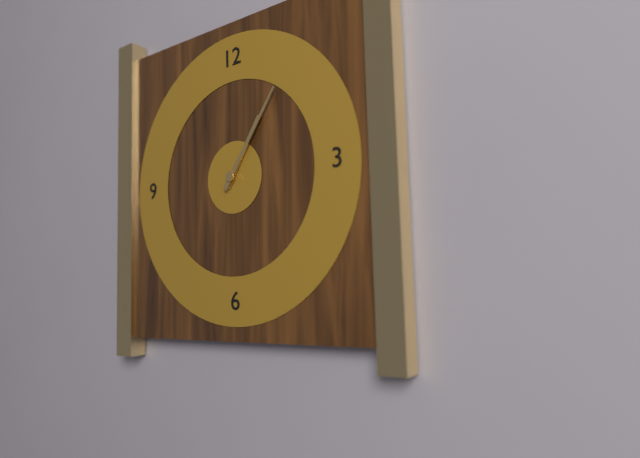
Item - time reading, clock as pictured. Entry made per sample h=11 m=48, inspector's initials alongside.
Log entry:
h=1 m=6
